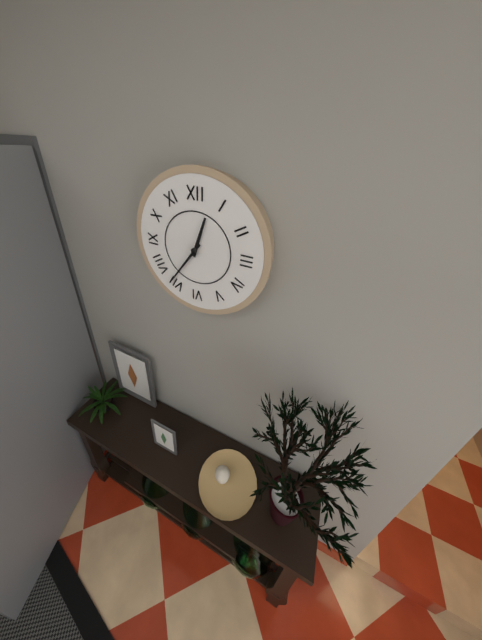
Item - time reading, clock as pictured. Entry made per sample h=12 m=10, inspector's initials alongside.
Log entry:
h=12 m=36
